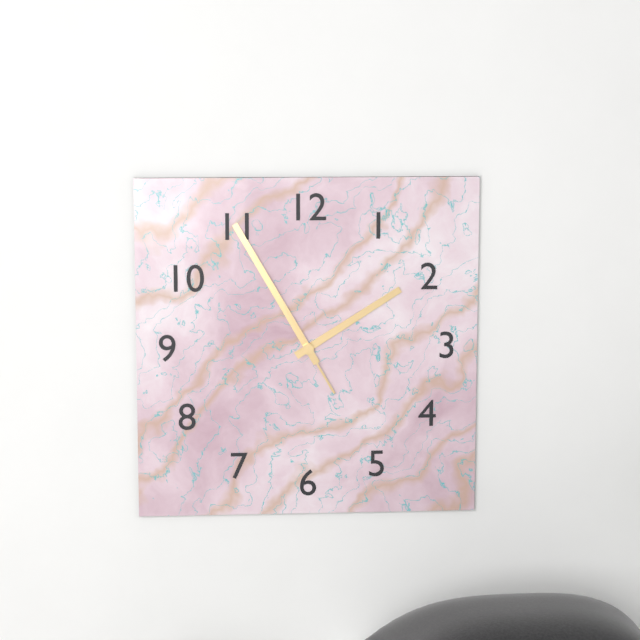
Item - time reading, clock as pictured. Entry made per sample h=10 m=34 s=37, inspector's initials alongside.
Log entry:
h=1 m=55 s=55
